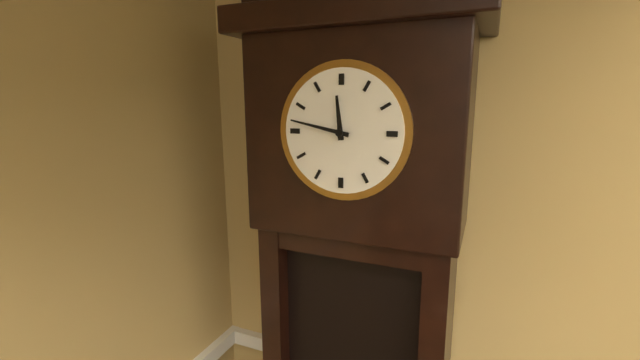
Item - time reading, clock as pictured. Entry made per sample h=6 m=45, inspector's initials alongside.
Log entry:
h=11 m=47
